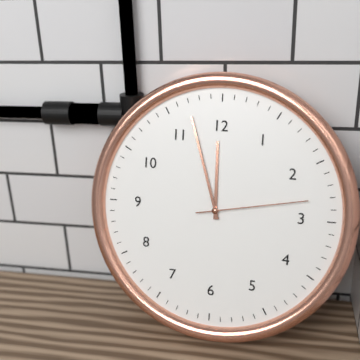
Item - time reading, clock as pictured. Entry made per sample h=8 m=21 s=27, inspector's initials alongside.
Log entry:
h=11 m=57 s=13
